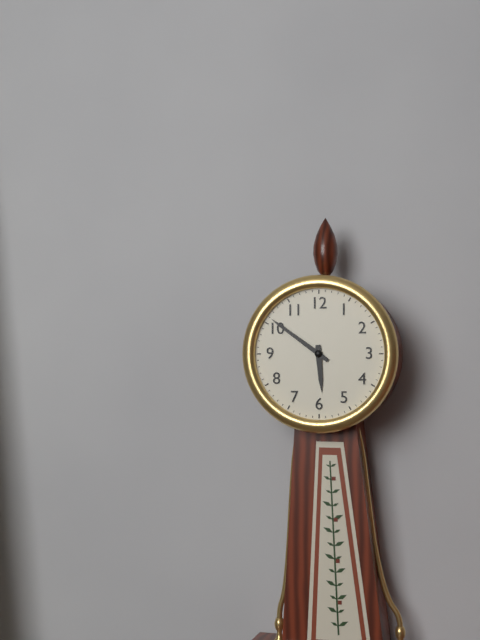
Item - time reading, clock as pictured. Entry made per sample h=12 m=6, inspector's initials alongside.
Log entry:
h=5 m=51
